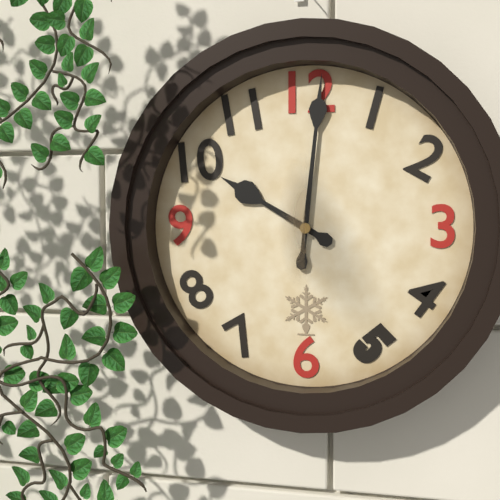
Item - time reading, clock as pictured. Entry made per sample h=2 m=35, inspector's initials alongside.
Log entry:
h=10 m=1
